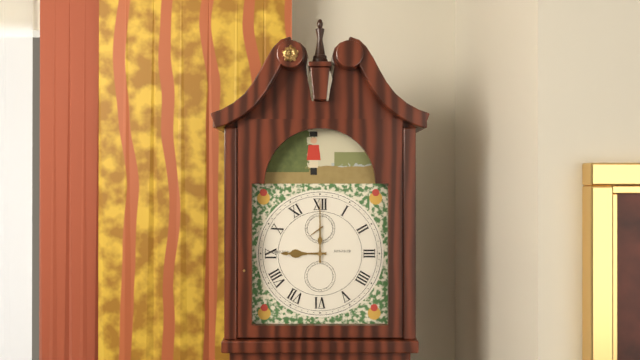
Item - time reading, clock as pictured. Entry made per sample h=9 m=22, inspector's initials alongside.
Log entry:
h=9 m=0
